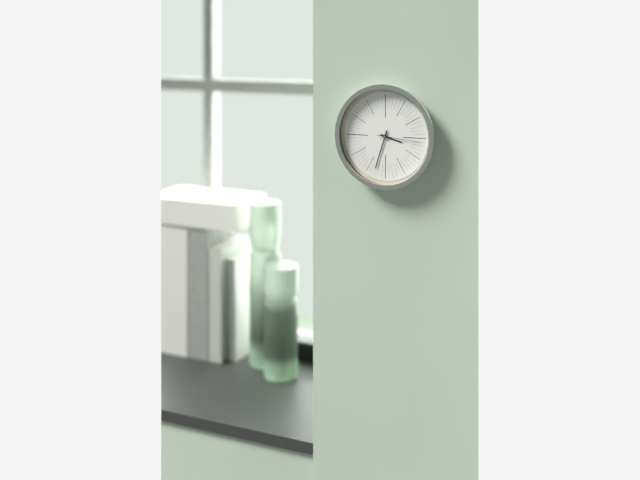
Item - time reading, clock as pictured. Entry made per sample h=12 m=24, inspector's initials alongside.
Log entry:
h=3 m=33
